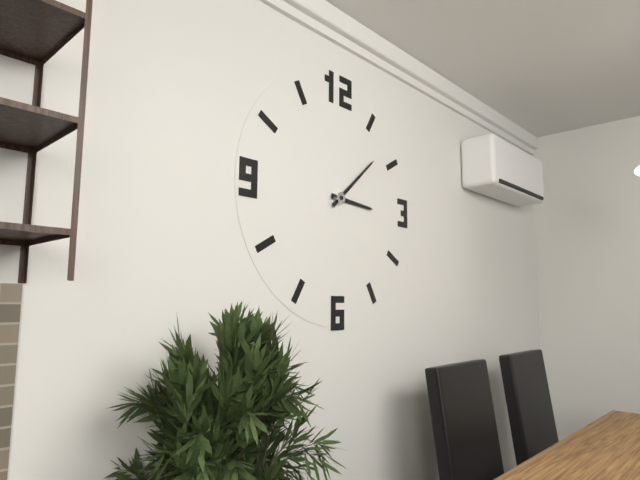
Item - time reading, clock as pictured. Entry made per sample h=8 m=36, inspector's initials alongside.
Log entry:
h=3 m=8
